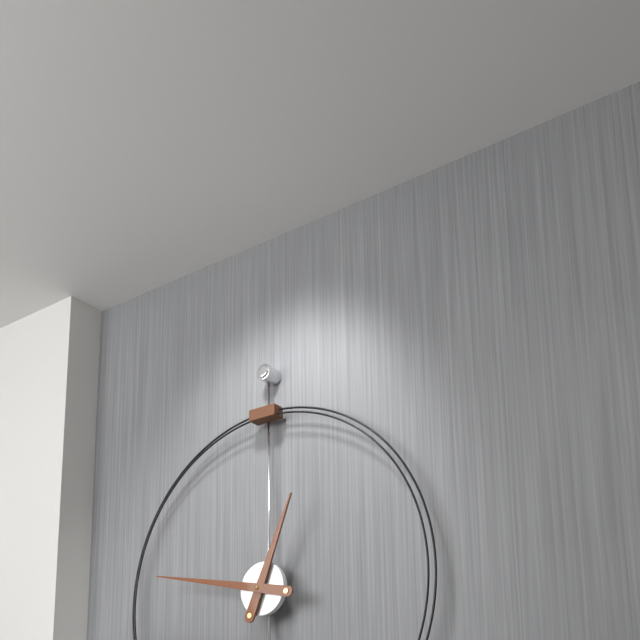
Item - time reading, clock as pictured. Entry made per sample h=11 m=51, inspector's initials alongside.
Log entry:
h=12 m=47
